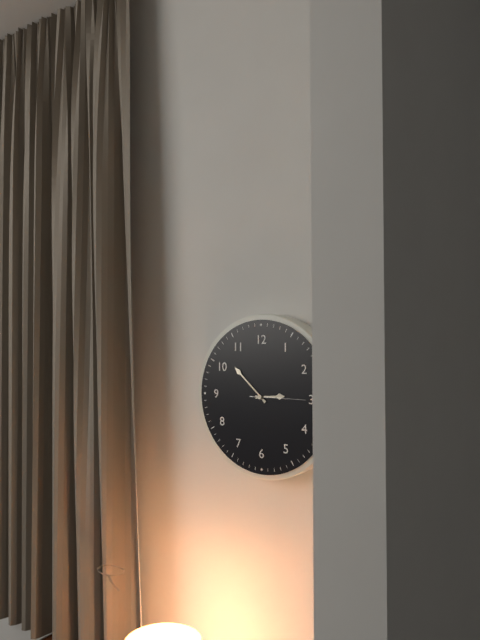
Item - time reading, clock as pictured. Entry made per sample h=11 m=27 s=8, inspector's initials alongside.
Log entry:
h=2 m=52 s=15
